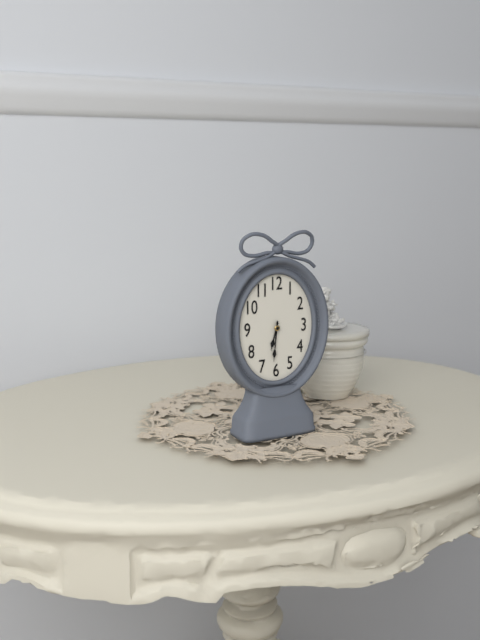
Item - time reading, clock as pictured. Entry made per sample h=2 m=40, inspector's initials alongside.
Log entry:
h=6 m=31
